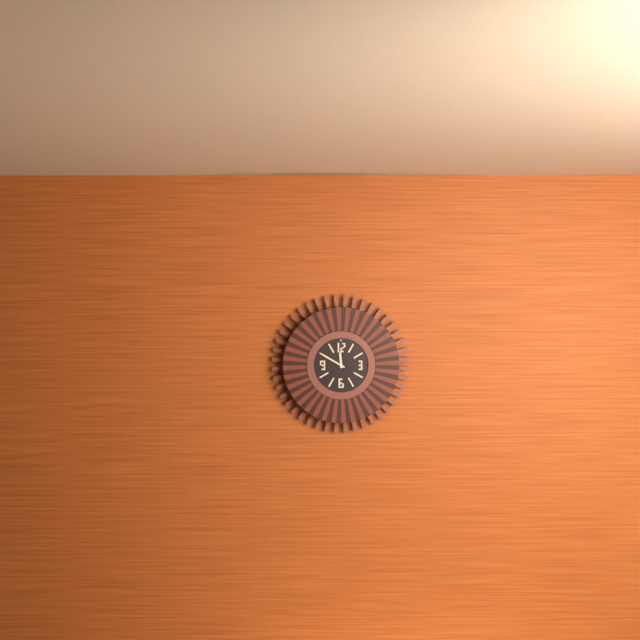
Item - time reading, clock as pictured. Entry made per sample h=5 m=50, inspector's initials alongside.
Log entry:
h=11 m=50
